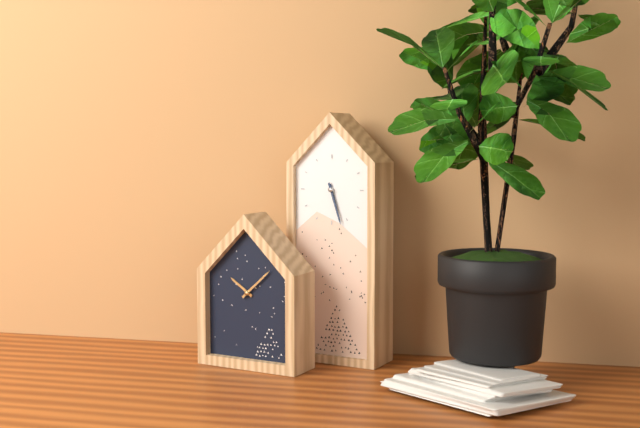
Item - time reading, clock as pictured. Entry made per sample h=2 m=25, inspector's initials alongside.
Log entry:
h=5 m=27
